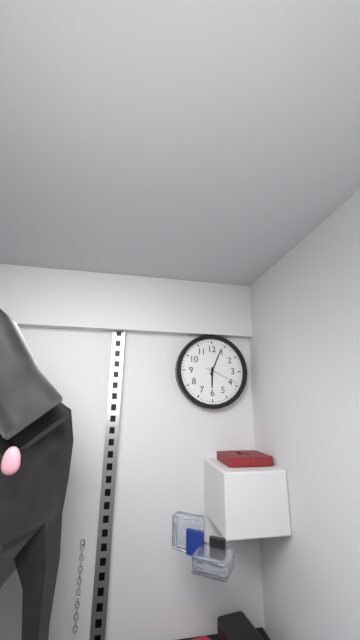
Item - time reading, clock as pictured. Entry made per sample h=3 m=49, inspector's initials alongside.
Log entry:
h=6 m=4
